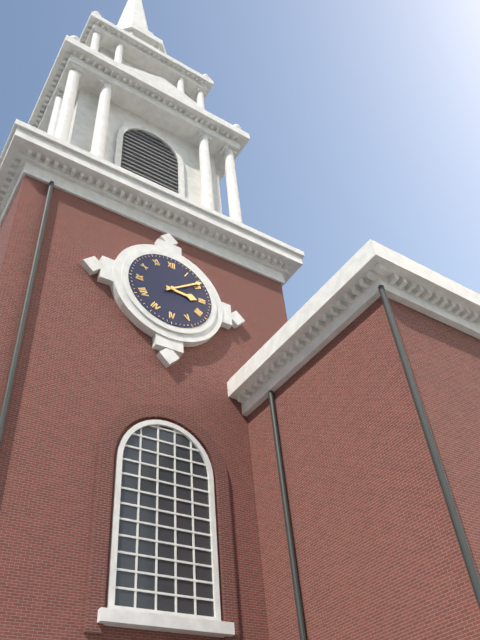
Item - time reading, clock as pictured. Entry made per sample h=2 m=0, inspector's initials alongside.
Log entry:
h=3 m=9
